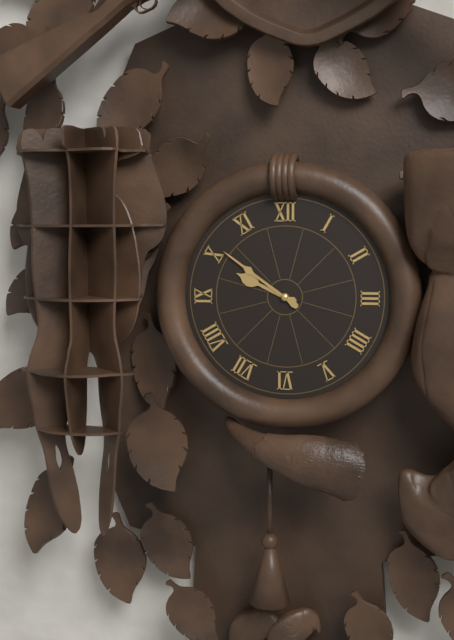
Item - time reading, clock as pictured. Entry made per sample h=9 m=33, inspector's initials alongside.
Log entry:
h=9 m=51
